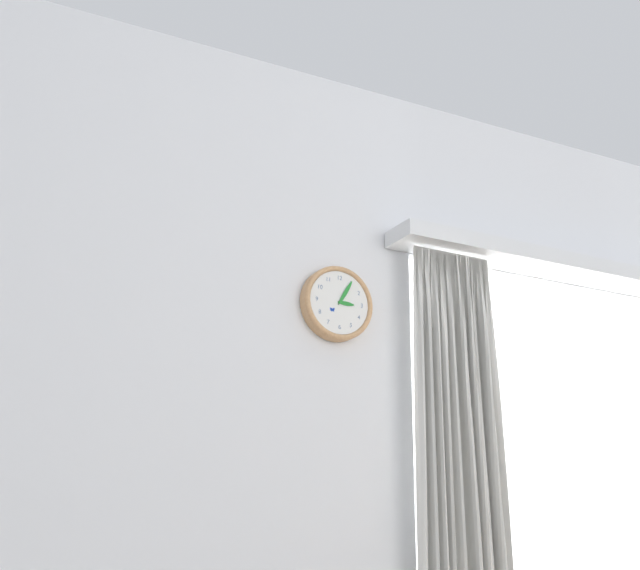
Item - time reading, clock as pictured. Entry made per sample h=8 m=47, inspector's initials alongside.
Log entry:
h=3 m=5
